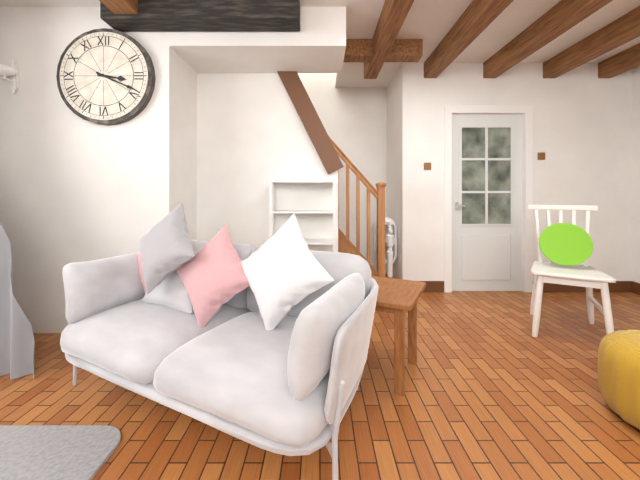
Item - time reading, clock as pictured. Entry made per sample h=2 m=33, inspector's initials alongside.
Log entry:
h=3 m=19
